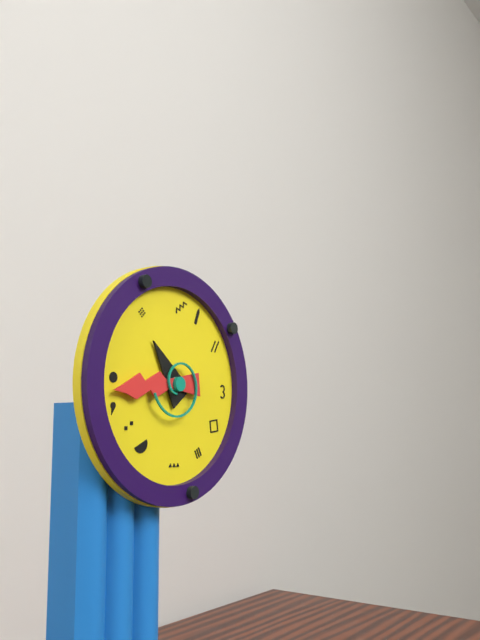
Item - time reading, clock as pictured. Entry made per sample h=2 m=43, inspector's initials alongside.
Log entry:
h=10 m=44
